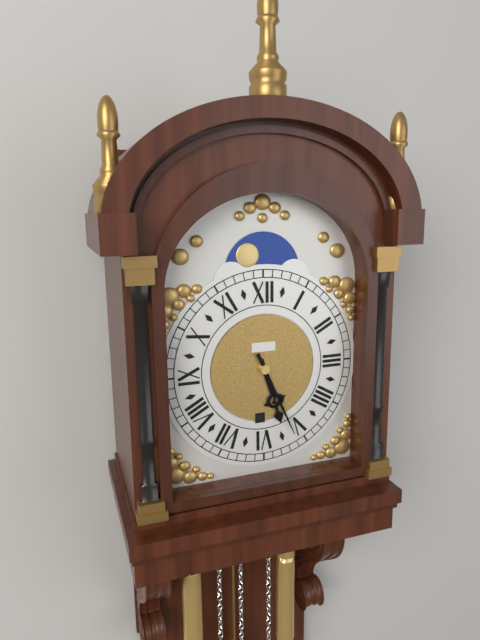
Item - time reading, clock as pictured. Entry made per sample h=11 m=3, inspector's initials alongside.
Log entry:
h=5 m=26
